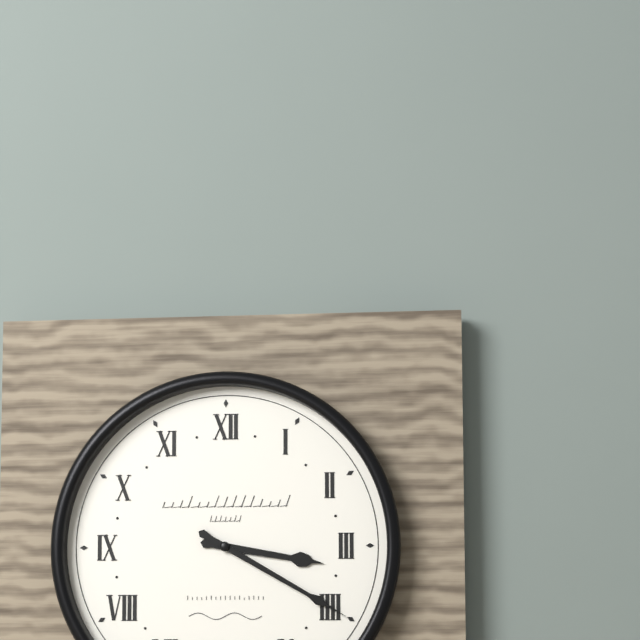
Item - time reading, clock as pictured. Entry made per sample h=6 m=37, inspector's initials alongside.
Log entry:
h=3 m=20
